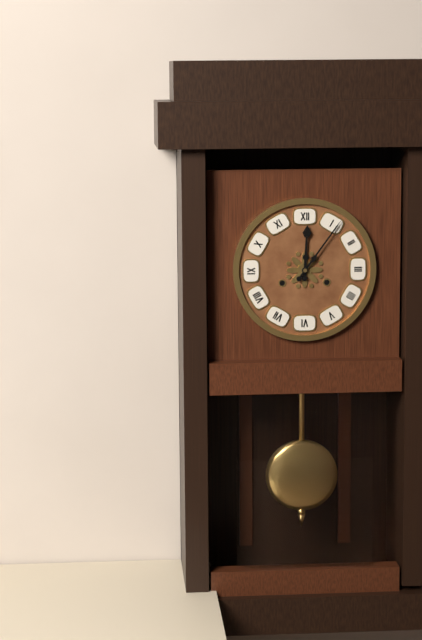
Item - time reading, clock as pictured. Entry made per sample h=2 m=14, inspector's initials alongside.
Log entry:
h=12 m=6
